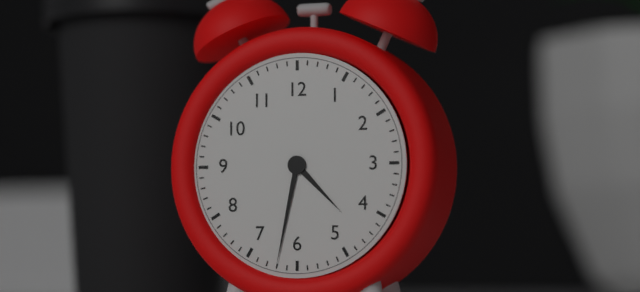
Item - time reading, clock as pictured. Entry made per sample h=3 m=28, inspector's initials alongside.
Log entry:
h=4 m=32
